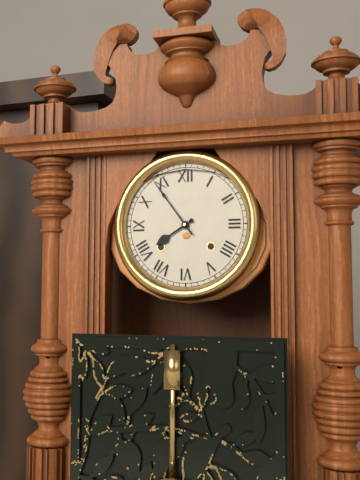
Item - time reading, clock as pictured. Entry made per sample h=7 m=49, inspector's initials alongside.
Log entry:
h=7 m=54
